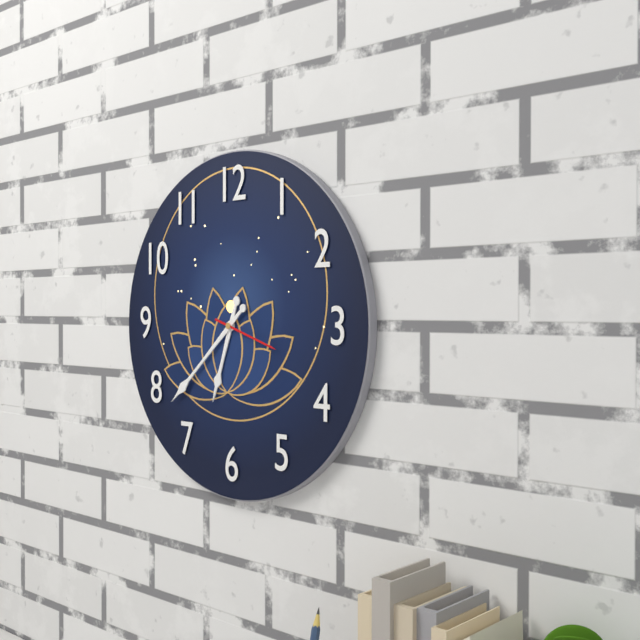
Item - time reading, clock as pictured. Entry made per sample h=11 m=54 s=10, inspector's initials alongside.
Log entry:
h=6 m=38 s=18
